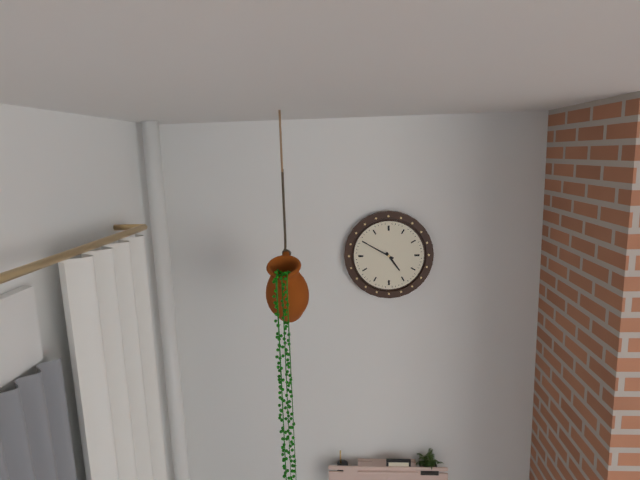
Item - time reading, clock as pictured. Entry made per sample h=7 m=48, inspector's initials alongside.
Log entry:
h=4 m=50
